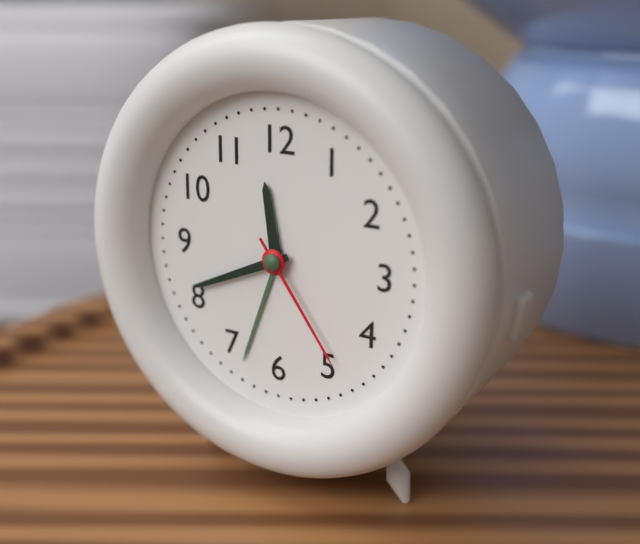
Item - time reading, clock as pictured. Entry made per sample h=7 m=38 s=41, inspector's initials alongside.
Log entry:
h=11 m=41 s=24
